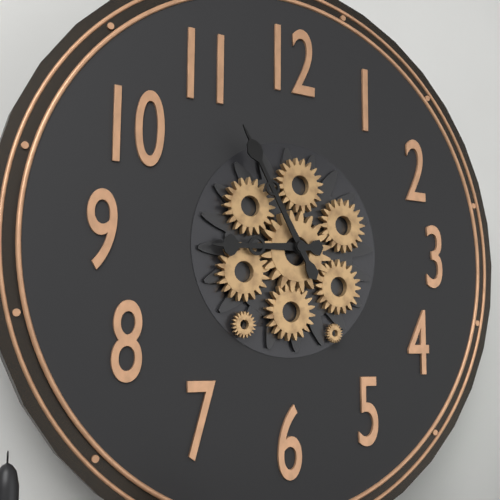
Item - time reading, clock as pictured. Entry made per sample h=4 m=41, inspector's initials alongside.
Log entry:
h=8 m=55
